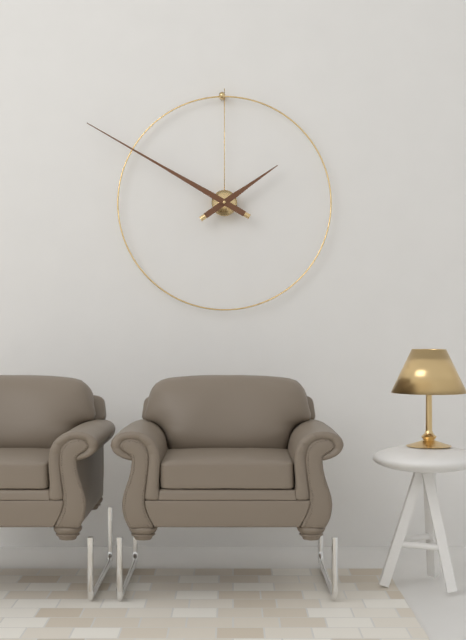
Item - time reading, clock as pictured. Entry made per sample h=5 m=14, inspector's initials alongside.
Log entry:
h=1 m=50
